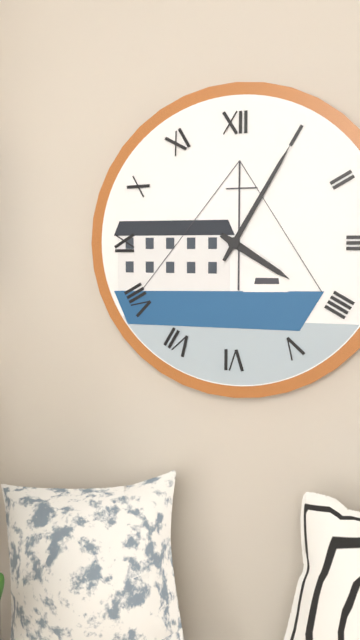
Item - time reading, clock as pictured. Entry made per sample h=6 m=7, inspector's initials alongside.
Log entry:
h=4 m=5
